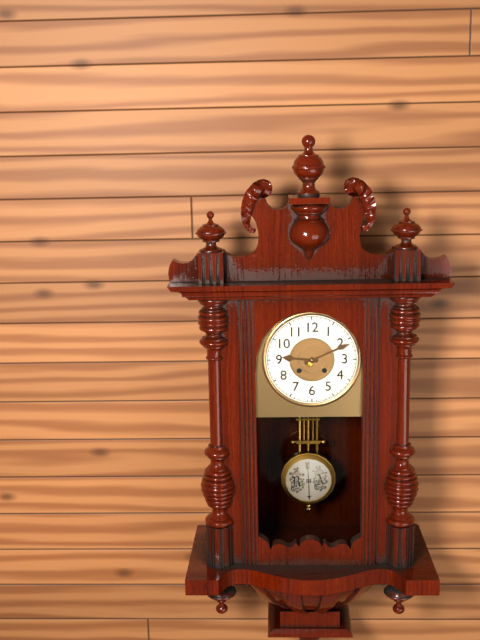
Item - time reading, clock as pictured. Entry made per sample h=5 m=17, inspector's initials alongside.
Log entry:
h=9 m=11
